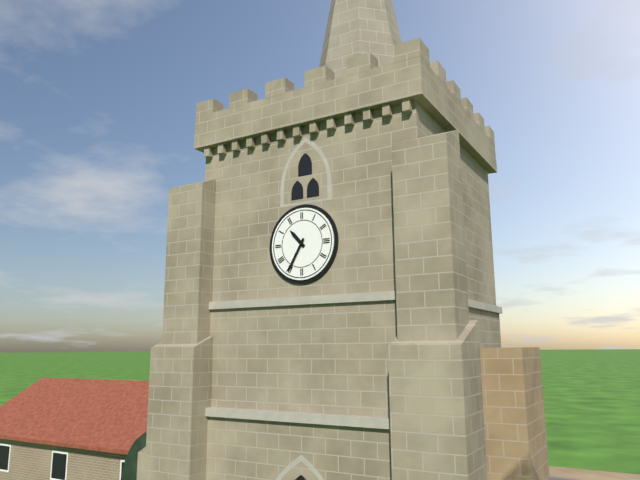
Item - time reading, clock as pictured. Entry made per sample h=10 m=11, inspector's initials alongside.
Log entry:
h=10 m=35
